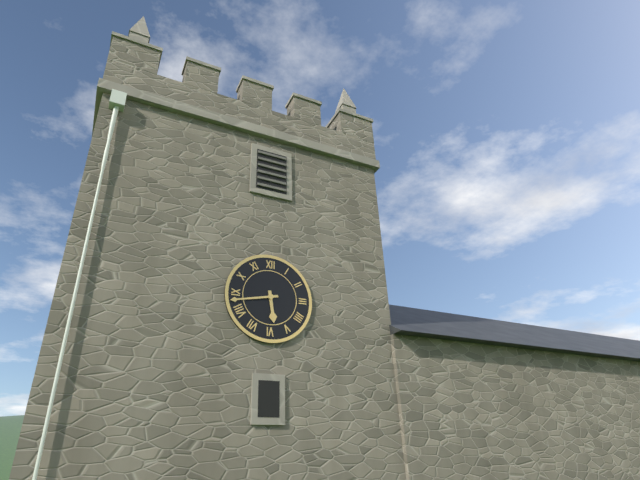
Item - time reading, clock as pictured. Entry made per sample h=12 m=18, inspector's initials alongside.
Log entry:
h=5 m=43
